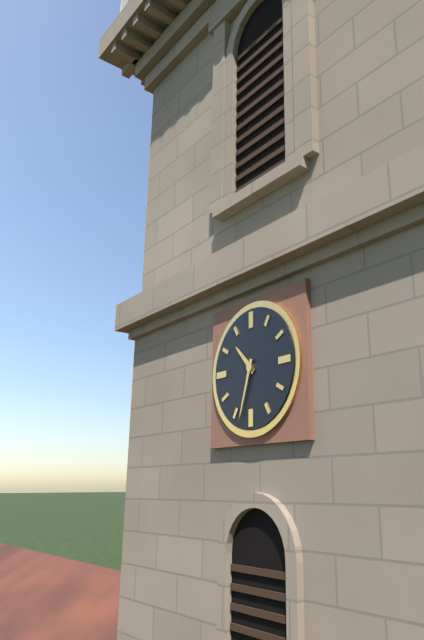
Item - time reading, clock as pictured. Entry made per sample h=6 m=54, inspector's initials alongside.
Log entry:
h=10 m=33
